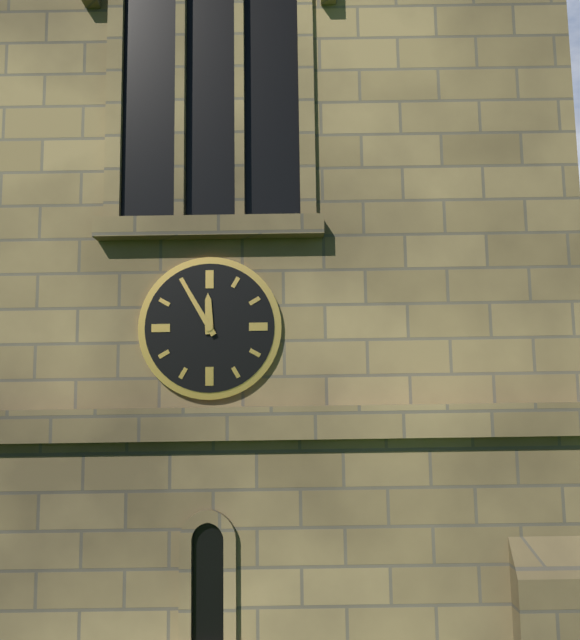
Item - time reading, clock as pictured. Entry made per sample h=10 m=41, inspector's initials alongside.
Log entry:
h=11 m=55
